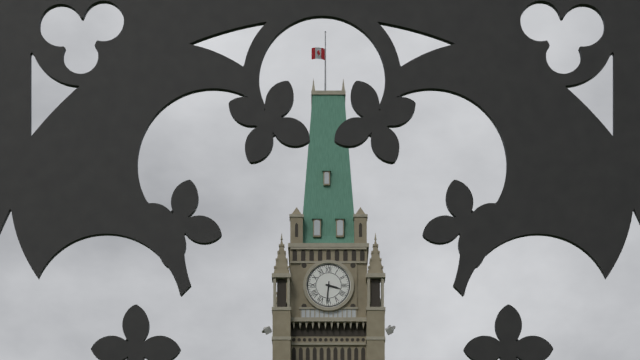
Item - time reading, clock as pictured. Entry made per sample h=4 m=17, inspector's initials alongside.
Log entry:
h=3 m=31
